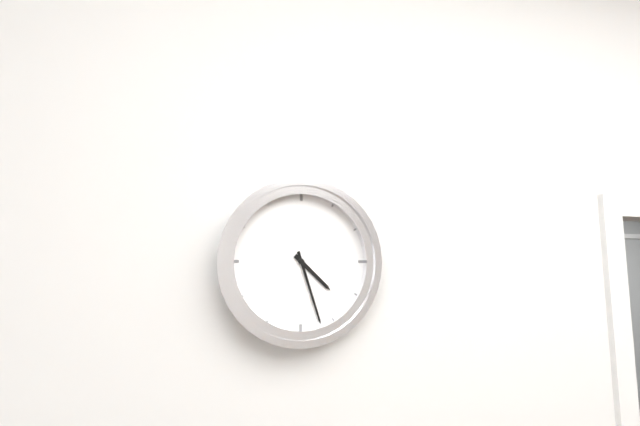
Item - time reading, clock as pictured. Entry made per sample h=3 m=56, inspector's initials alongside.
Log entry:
h=4 m=27
